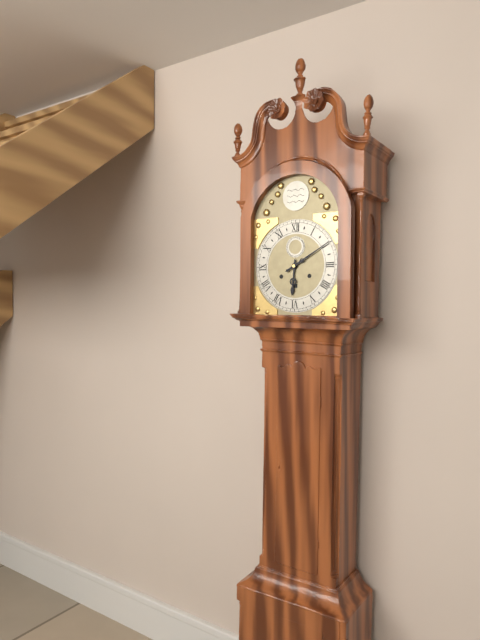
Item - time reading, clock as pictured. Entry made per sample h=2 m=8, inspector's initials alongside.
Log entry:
h=6 m=10
